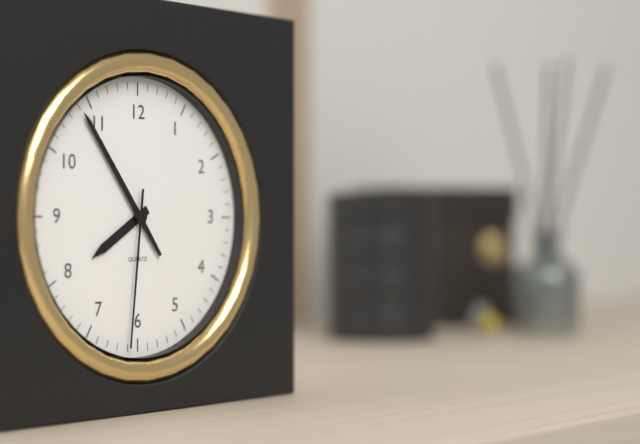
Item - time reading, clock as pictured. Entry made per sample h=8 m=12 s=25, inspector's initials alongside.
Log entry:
h=7 m=54 s=31
